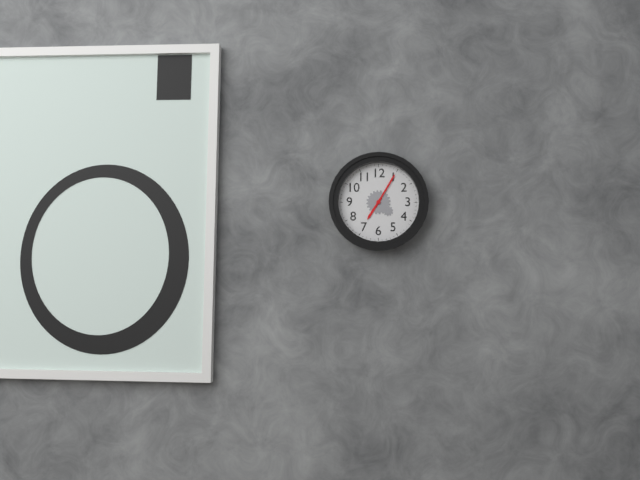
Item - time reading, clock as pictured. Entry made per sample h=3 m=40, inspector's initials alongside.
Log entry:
h=7 m=5
